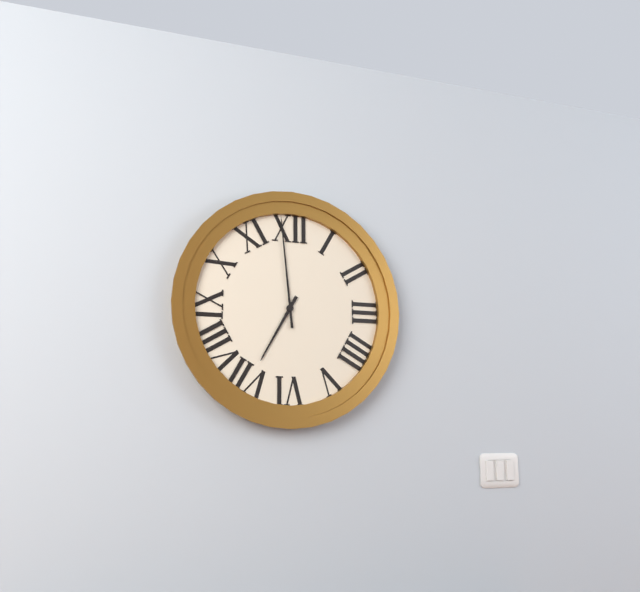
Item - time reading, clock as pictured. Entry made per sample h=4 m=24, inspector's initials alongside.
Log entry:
h=6 m=59
